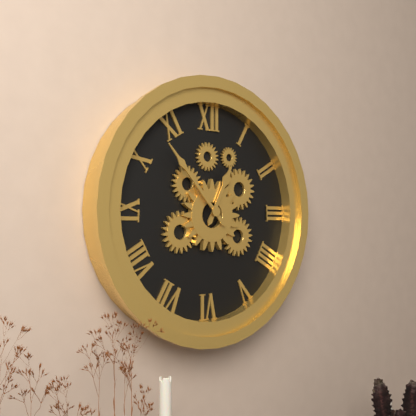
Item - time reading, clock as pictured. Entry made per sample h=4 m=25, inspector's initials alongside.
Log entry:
h=12 m=53
